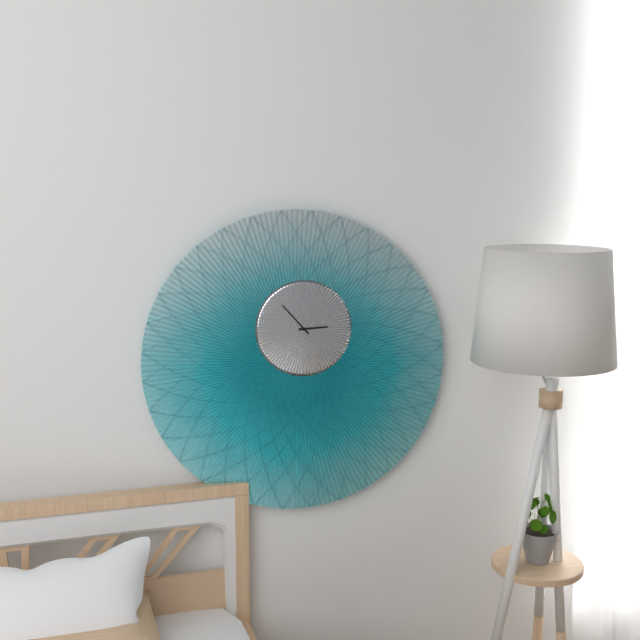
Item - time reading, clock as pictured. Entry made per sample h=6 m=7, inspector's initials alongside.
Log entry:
h=2 m=53
